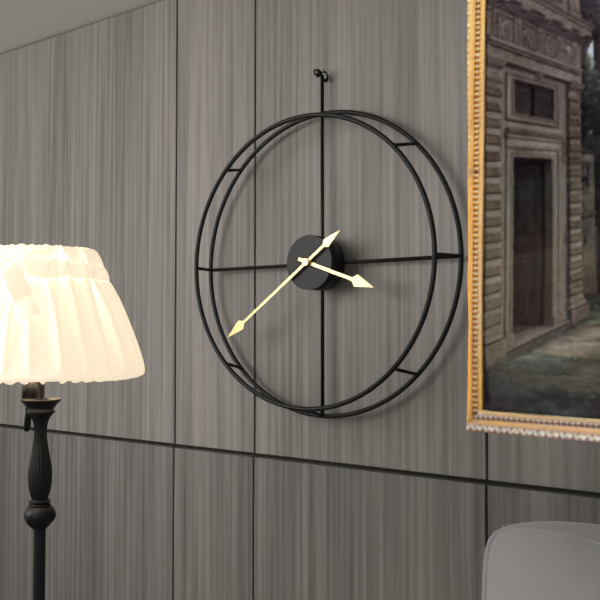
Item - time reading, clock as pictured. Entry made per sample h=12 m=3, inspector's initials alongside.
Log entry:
h=3 m=39
